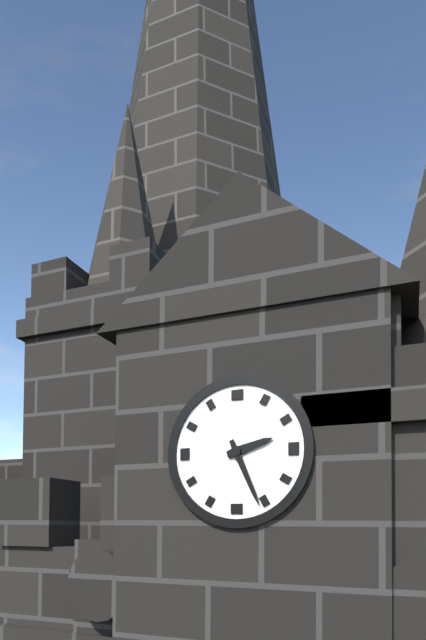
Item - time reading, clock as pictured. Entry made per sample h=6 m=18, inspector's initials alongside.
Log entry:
h=2 m=26
